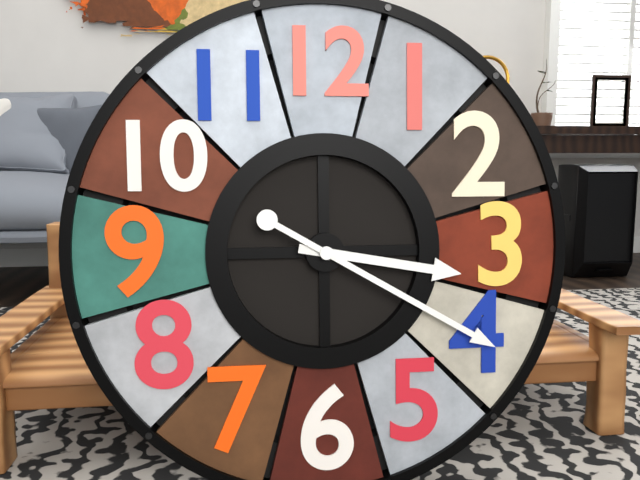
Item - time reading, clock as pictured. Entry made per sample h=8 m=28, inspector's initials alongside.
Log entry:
h=3 m=20
